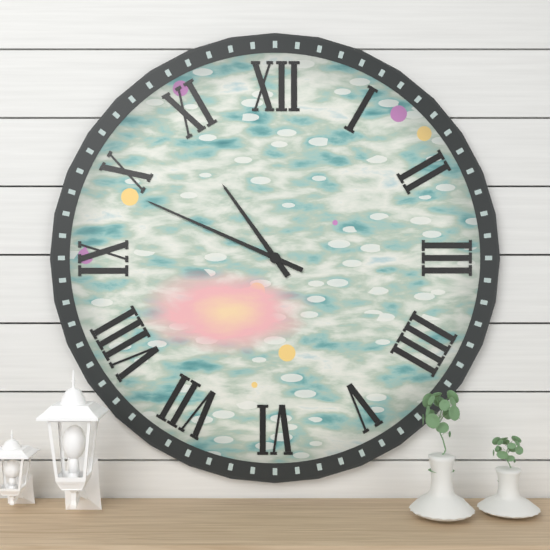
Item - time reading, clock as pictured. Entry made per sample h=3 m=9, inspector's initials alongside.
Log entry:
h=10 m=49
